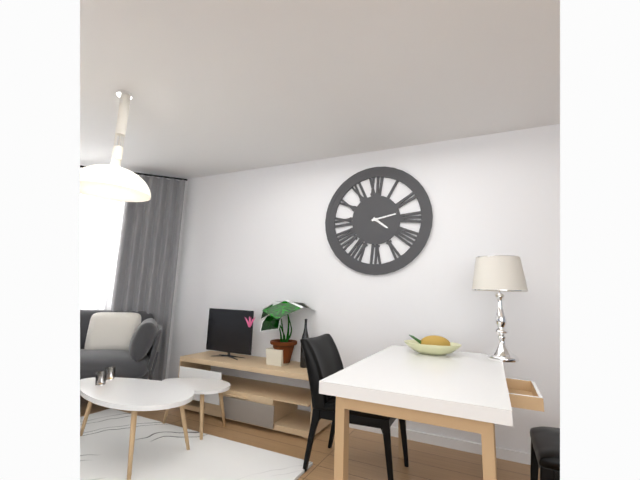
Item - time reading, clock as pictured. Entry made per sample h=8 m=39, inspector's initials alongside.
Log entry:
h=4 m=13
